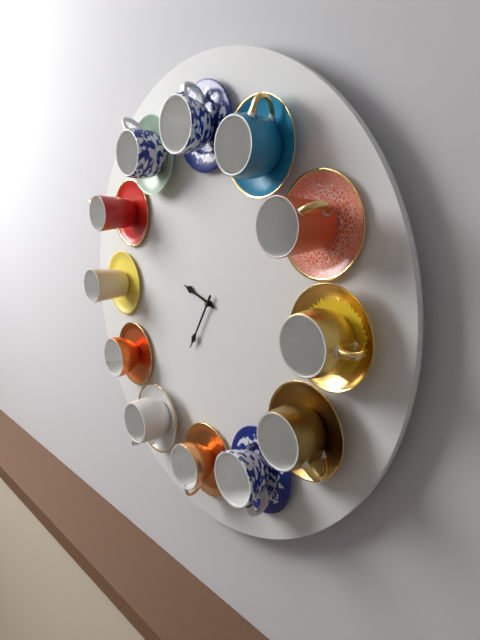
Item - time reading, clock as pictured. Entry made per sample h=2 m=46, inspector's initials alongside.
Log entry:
h=9 m=35
